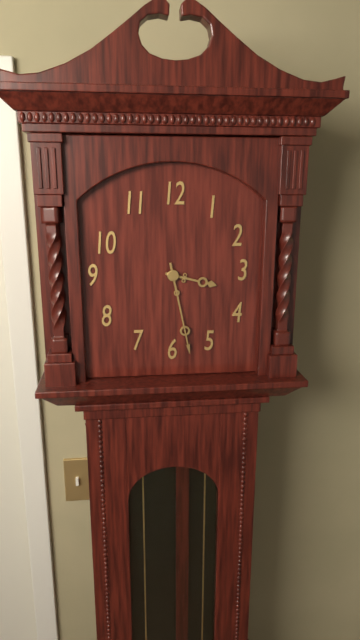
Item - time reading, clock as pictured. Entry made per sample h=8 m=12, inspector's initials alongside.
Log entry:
h=3 m=28
